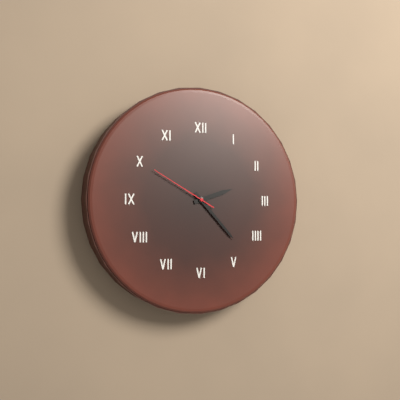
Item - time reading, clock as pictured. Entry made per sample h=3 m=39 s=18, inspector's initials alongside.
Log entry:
h=2 m=23 s=50
